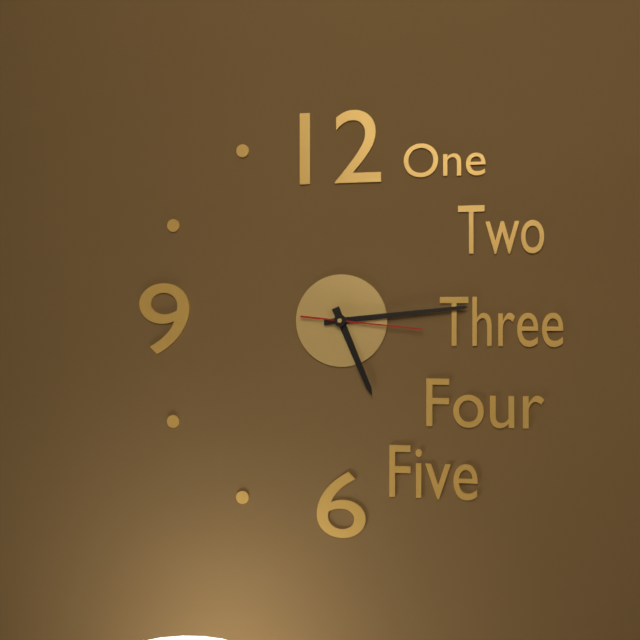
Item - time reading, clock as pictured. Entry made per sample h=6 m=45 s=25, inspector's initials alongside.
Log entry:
h=5 m=14 s=16
